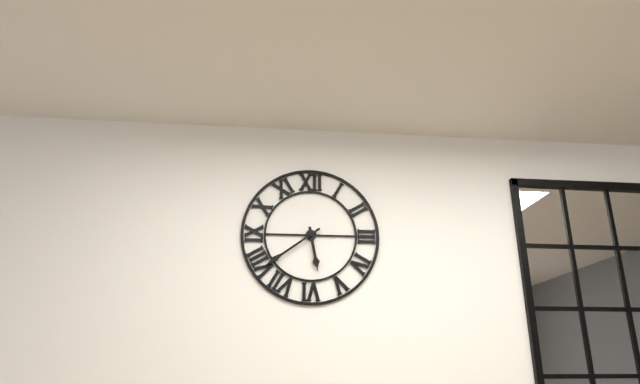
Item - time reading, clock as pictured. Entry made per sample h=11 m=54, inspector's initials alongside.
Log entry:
h=5 m=39
